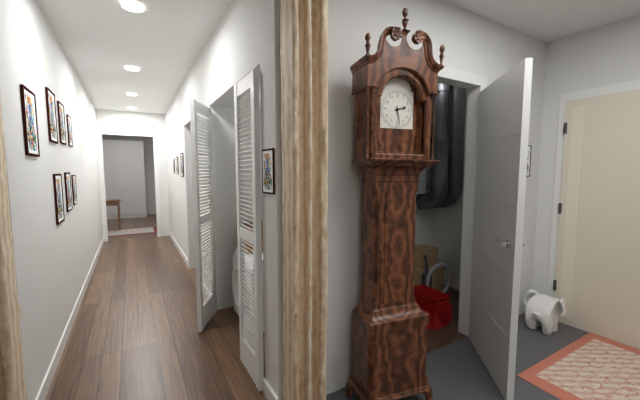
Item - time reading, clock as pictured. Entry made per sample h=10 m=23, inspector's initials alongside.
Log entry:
h=2 m=28
